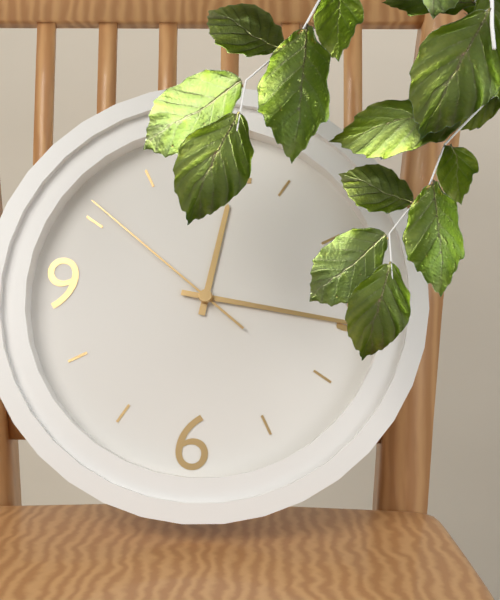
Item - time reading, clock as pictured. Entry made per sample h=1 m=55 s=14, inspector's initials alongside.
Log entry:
h=12 m=16 s=51
